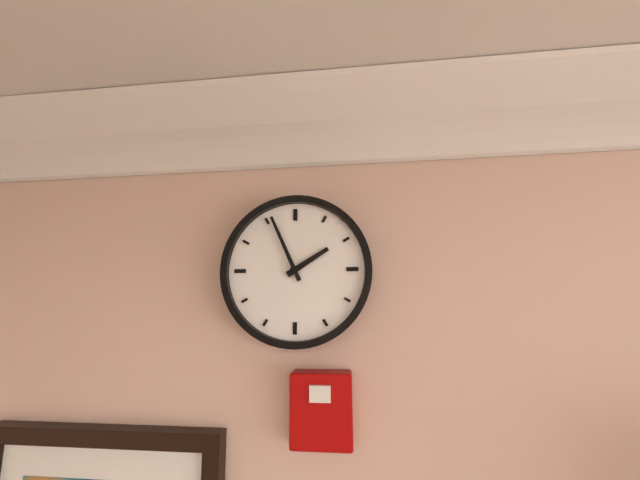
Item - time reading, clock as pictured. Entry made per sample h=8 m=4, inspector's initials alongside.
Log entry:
h=1 m=56
